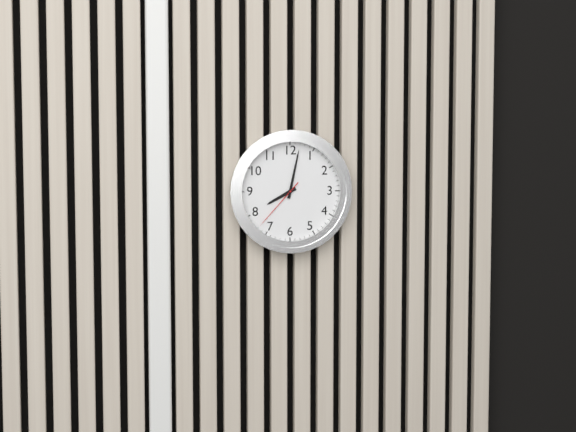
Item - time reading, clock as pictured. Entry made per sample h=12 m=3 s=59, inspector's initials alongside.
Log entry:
h=8 m=2 s=37
